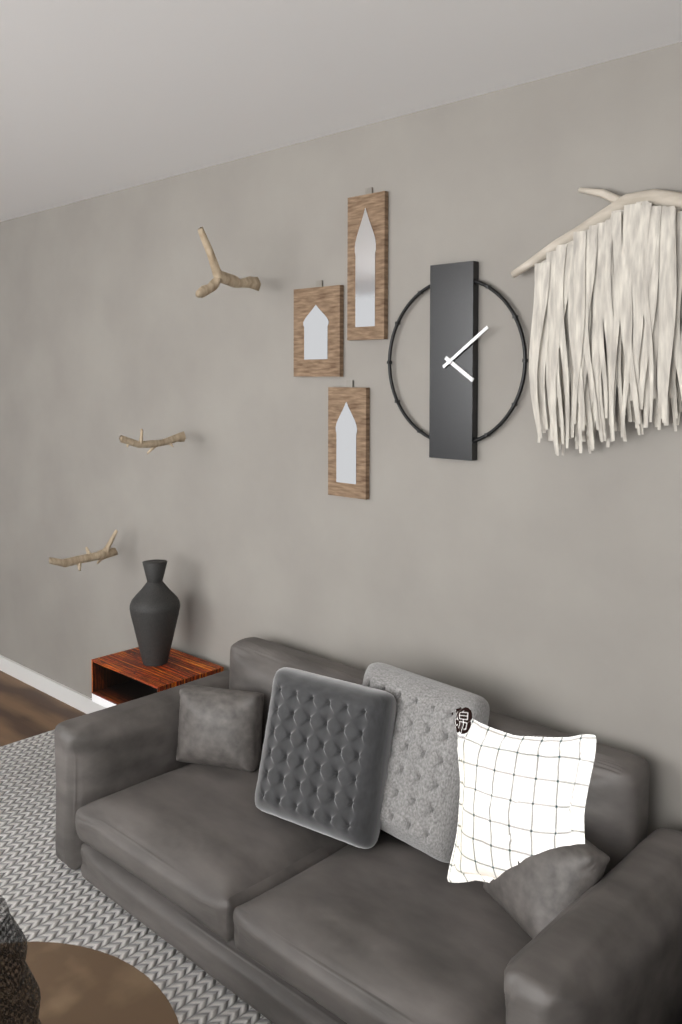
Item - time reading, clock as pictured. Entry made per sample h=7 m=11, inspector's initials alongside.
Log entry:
h=4 m=9
